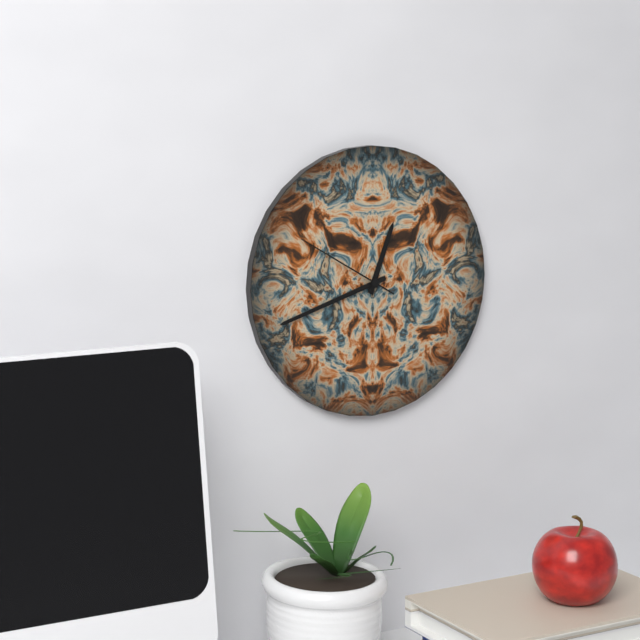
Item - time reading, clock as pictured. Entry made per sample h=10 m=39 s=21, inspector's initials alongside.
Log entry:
h=12 m=42 s=50
